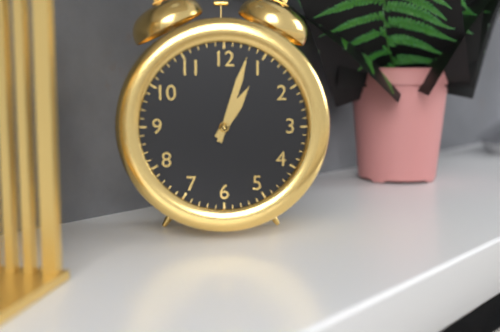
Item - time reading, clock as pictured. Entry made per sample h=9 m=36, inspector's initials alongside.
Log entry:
h=1 m=3
